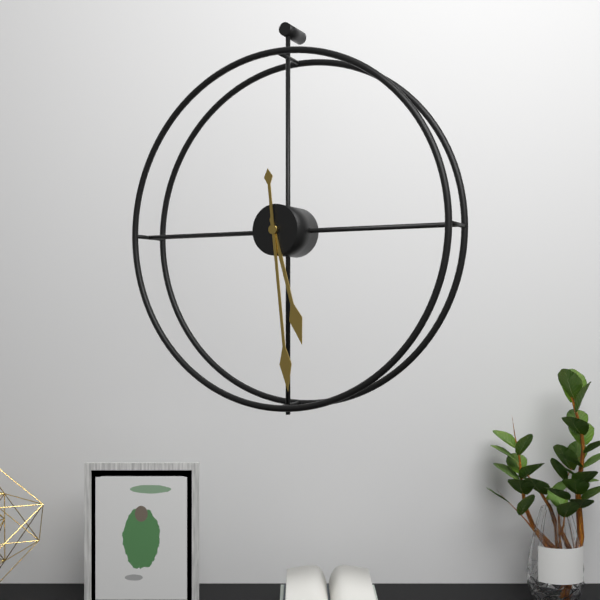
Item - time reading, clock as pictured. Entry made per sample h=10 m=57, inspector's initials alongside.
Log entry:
h=5 m=29
